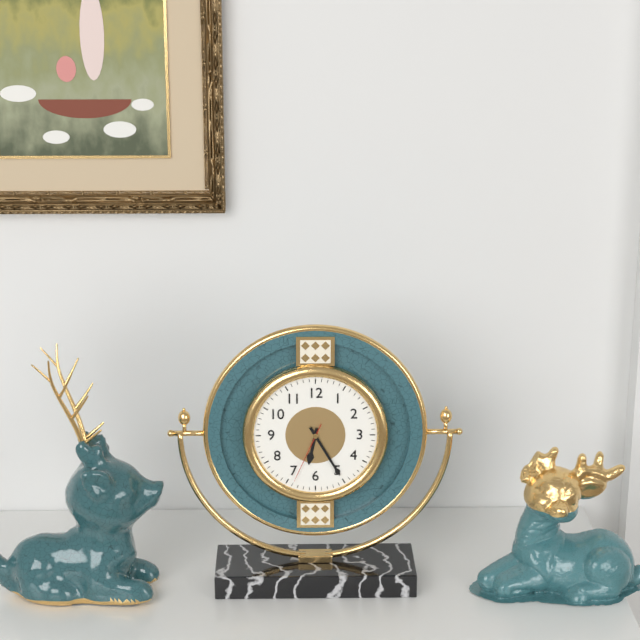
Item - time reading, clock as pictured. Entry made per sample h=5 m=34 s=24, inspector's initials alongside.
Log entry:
h=6 m=25 s=34
